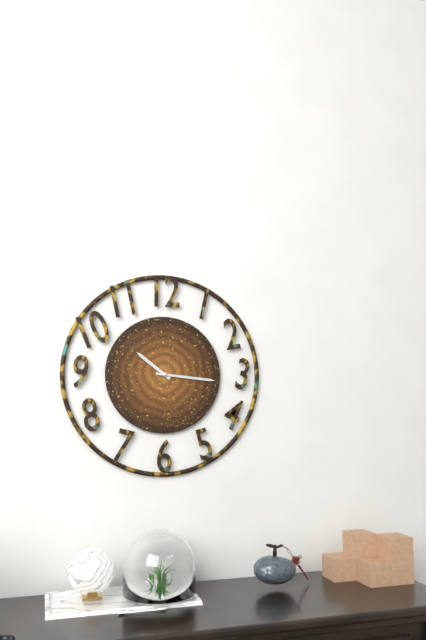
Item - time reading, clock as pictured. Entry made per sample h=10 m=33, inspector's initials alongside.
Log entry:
h=10 m=16
